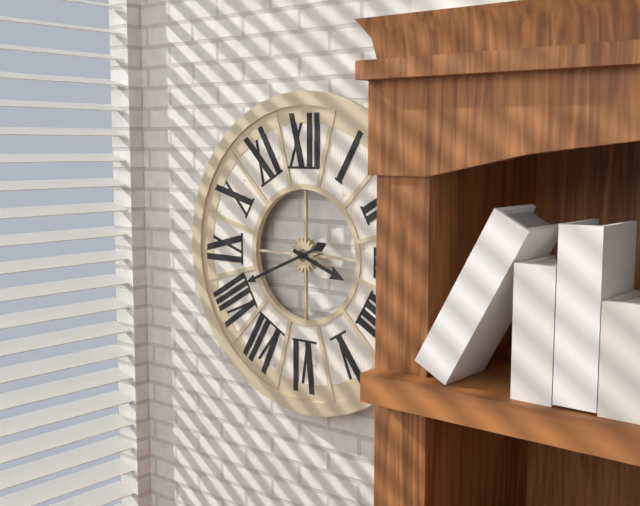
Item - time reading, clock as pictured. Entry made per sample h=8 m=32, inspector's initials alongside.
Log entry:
h=3 m=41
